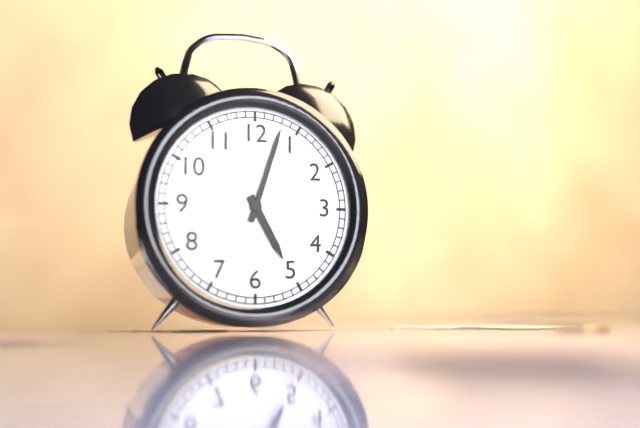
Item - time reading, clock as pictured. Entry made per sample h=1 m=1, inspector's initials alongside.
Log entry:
h=5 m=3
